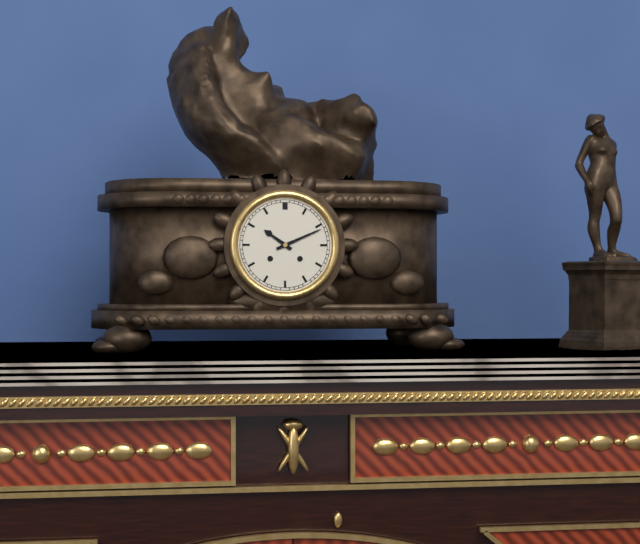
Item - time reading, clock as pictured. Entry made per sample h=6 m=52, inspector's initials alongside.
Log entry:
h=10 m=11
